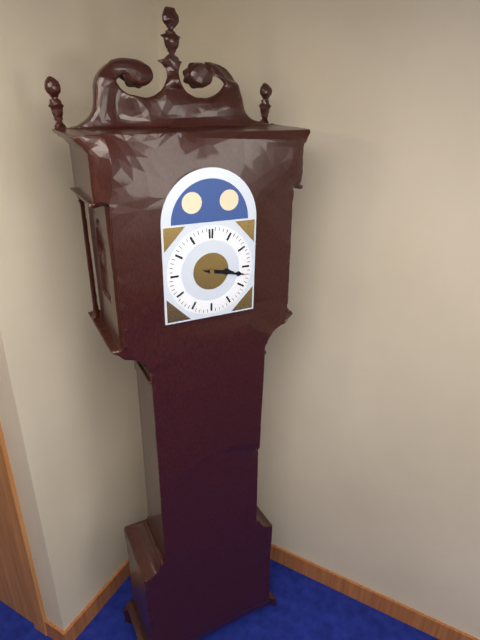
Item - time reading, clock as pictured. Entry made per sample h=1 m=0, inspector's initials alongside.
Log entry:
h=3 m=17
